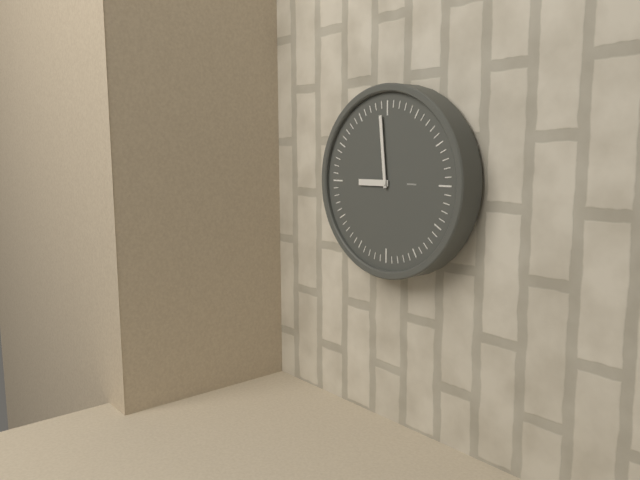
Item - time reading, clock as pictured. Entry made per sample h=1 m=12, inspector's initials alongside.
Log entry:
h=8 m=59
